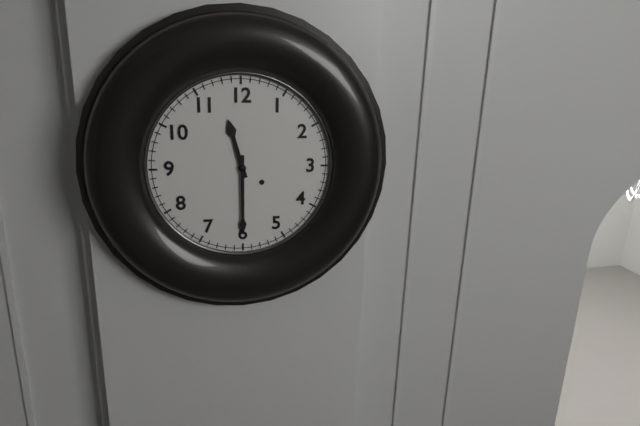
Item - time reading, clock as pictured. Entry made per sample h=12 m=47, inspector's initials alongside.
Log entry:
h=11 m=30
